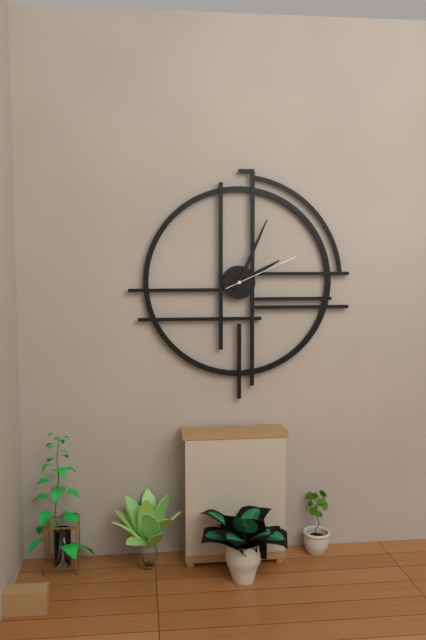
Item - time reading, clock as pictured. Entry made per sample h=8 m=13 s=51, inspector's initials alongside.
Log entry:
h=2 m=4 s=11
